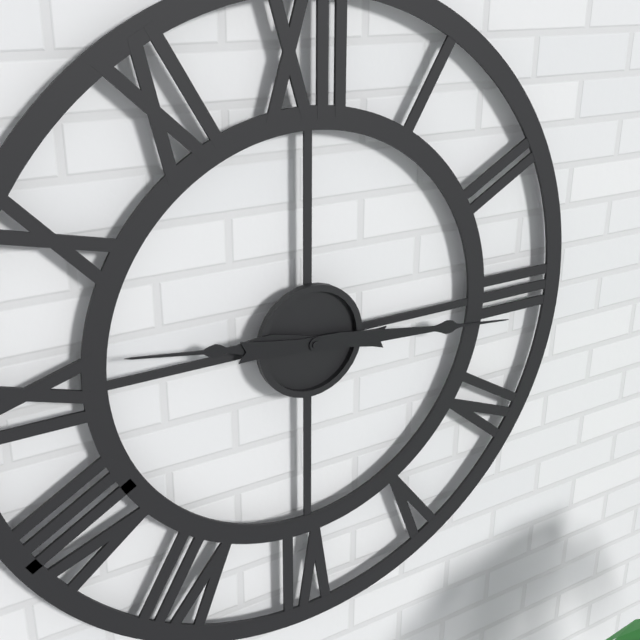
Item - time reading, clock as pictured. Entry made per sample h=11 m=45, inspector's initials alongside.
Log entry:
h=9 m=16
